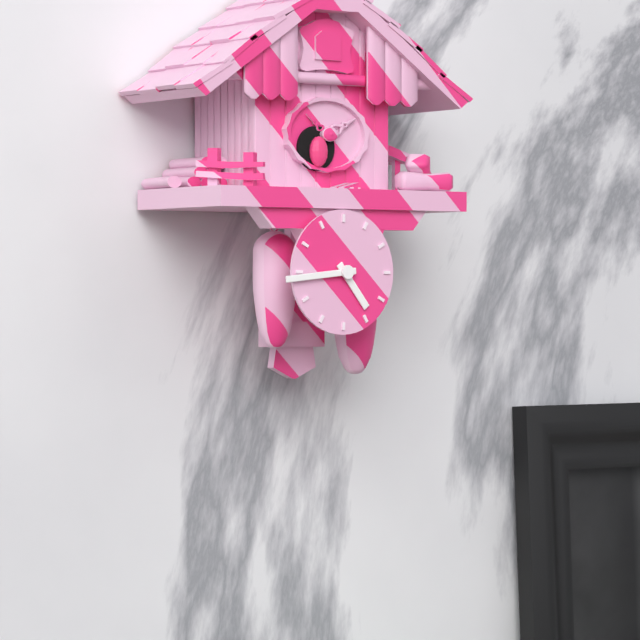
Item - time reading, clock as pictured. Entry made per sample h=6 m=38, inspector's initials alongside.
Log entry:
h=4 m=44
